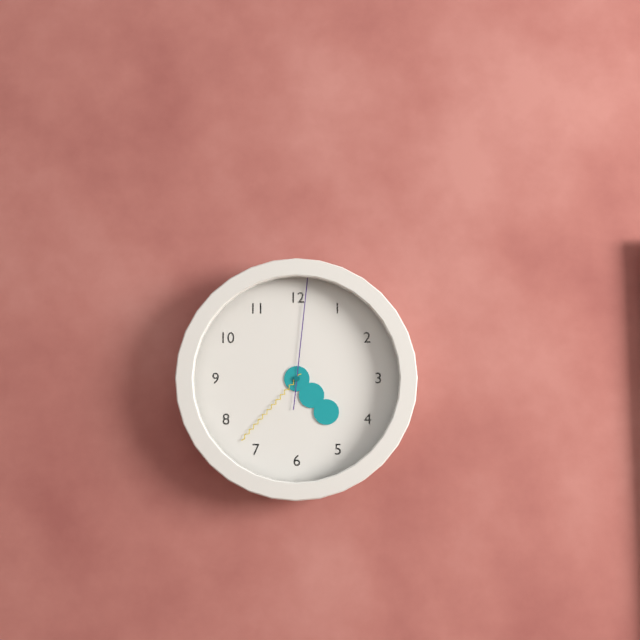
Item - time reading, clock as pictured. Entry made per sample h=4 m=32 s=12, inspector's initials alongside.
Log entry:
h=4 m=37 s=1
